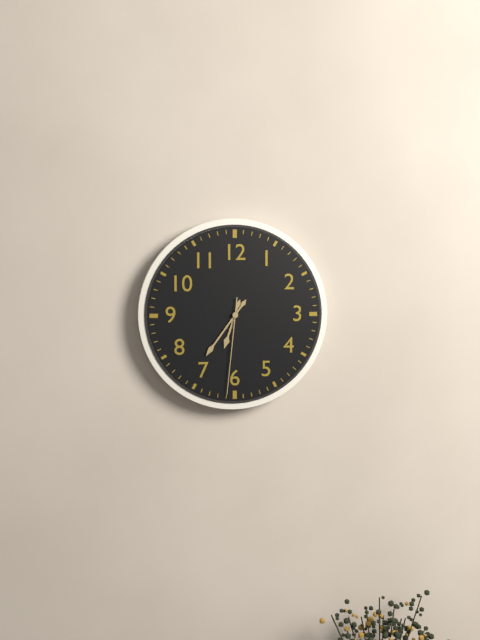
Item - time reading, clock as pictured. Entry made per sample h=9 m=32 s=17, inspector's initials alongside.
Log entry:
h=6 m=36 s=31
